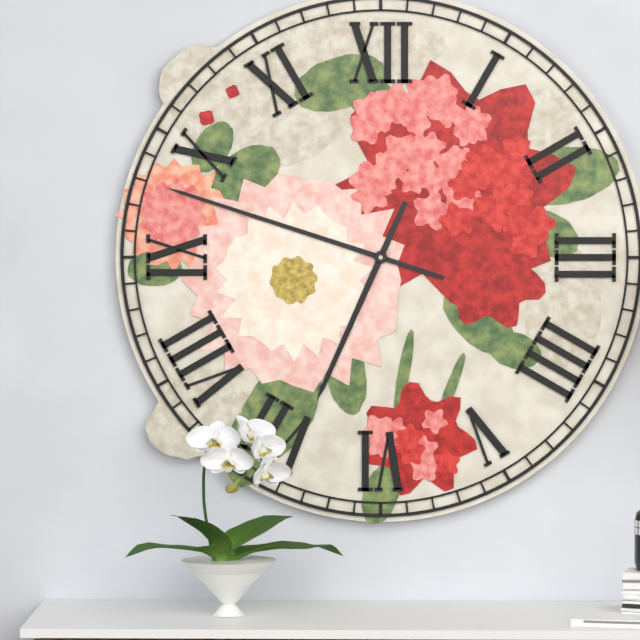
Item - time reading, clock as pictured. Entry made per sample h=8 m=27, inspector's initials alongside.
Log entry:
h=6 m=48
